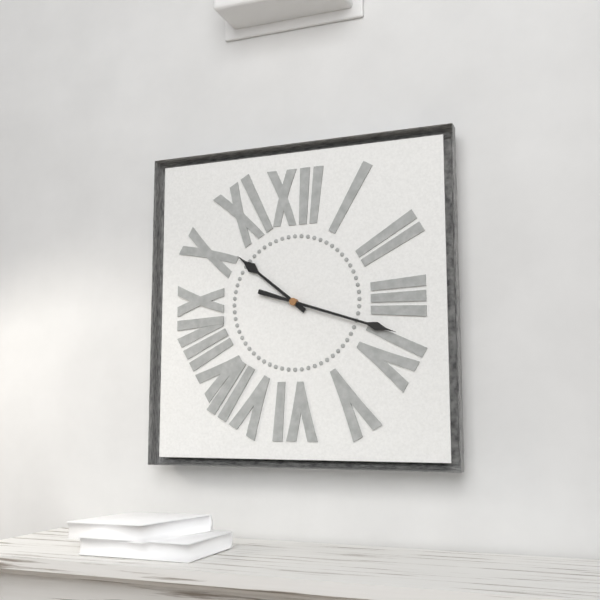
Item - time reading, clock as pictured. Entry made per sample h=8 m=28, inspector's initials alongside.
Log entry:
h=10 m=18
